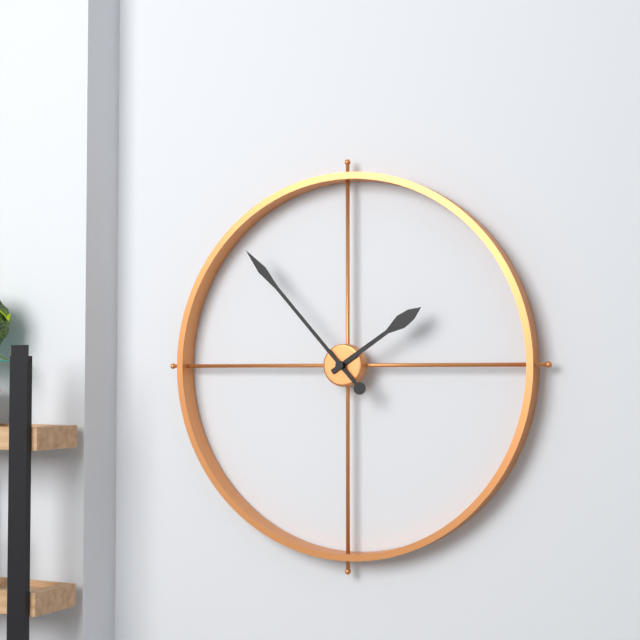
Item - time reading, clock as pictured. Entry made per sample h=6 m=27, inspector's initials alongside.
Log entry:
h=1 m=53
